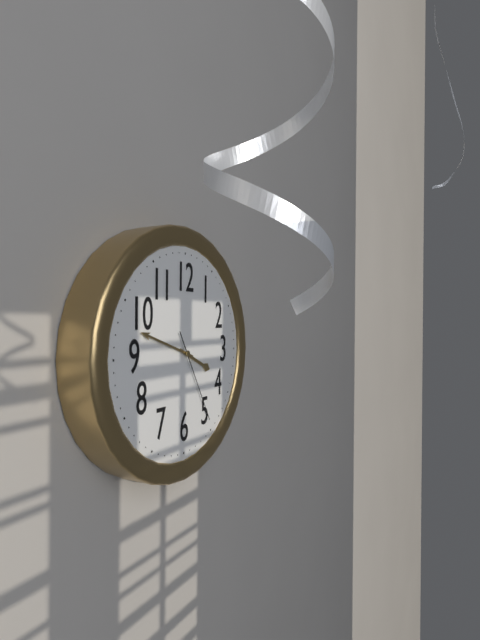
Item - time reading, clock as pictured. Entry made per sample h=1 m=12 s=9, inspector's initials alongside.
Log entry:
h=3 m=48 s=25
